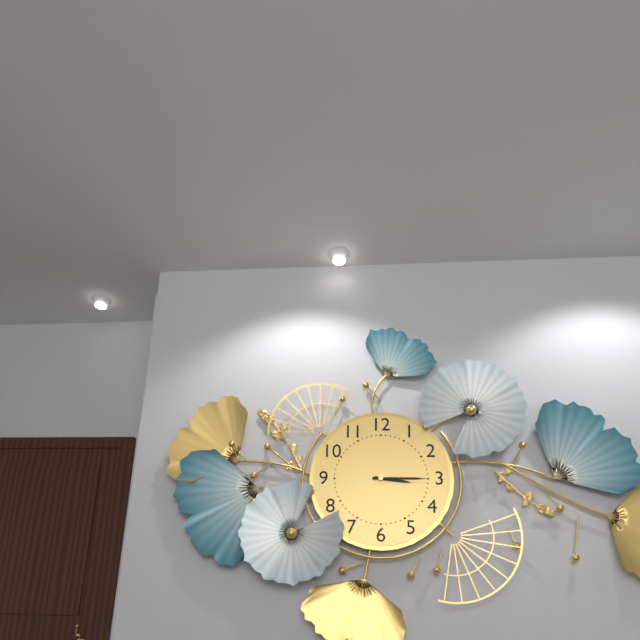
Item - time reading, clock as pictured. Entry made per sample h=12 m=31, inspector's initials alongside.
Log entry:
h=3 m=15
